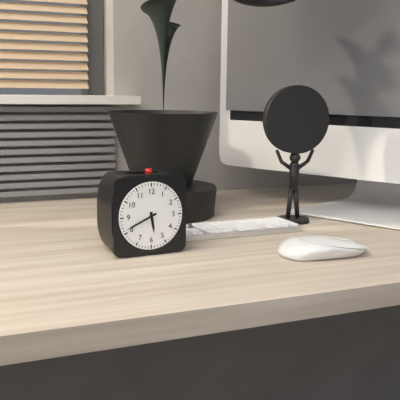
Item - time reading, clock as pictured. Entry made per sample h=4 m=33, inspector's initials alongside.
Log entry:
h=5 m=41
